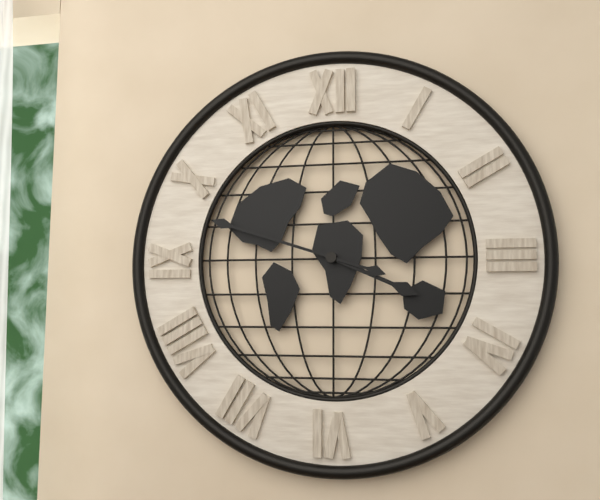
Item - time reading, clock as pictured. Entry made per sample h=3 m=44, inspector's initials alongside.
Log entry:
h=3 m=48
